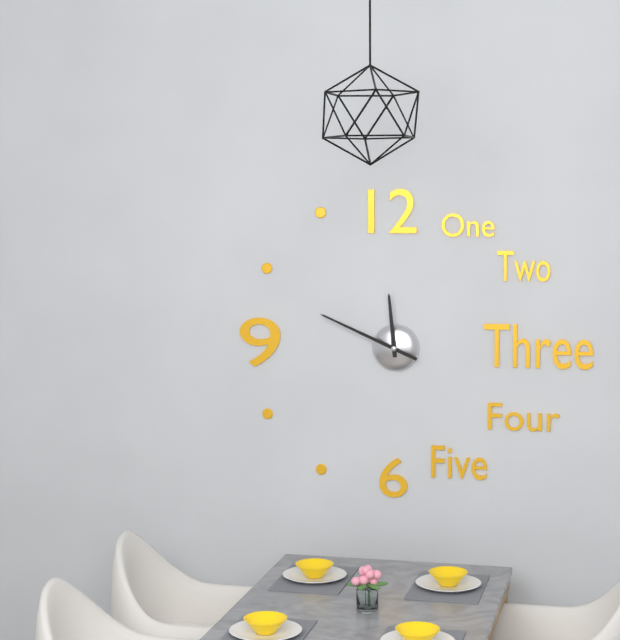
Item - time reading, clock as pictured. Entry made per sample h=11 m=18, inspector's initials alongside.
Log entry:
h=11 m=49
